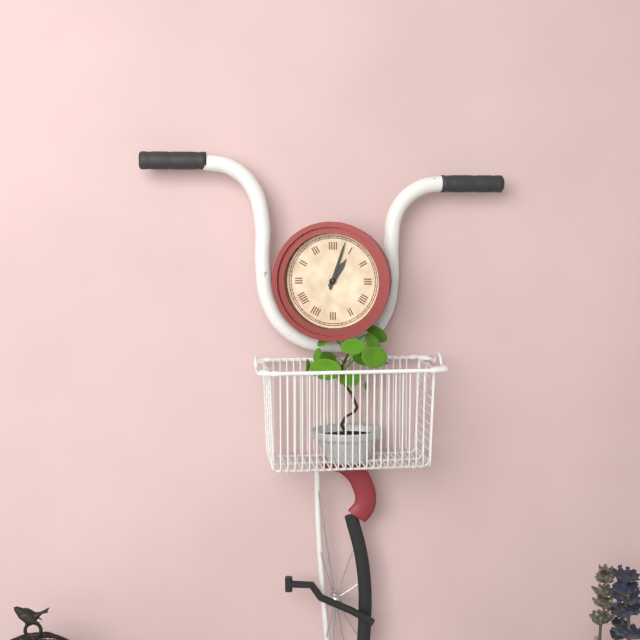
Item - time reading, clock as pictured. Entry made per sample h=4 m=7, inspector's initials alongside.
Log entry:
h=1 m=3
